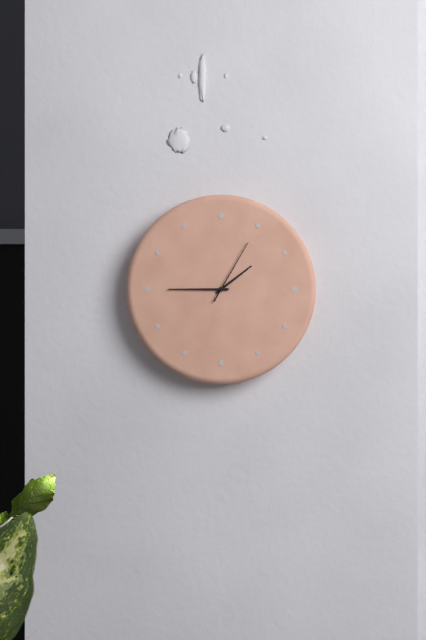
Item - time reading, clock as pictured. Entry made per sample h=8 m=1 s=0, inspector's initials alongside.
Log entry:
h=1 m=45 s=5
